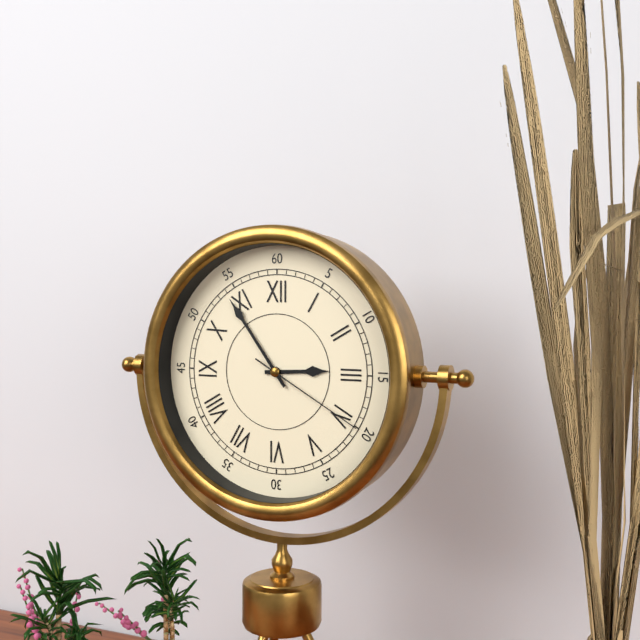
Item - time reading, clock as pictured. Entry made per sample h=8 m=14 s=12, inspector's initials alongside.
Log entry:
h=2 m=54 s=20
